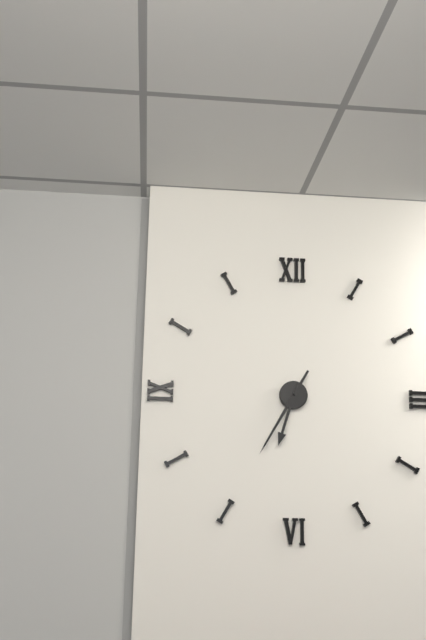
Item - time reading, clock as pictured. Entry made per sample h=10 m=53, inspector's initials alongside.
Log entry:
h=6 m=35
